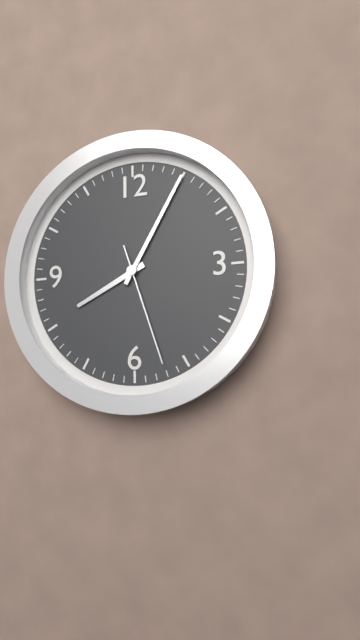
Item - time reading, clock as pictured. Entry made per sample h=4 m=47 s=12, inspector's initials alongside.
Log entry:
h=8 m=5 s=27
